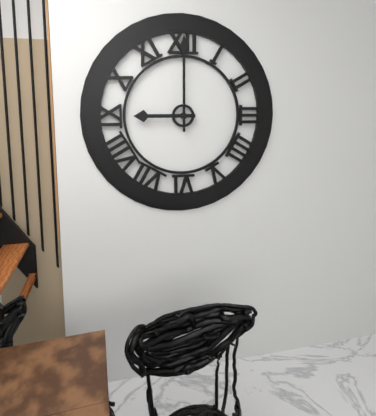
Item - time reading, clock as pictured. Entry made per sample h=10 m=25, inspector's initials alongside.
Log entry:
h=9 m=0
